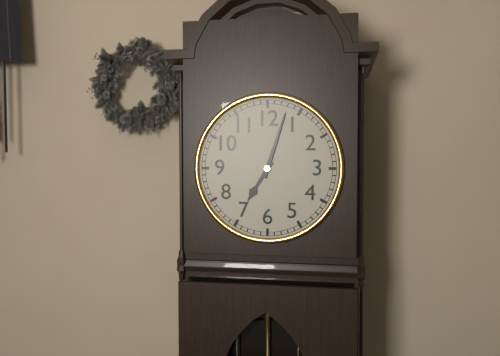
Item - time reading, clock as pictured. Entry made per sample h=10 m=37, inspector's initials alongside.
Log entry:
h=7 m=3
